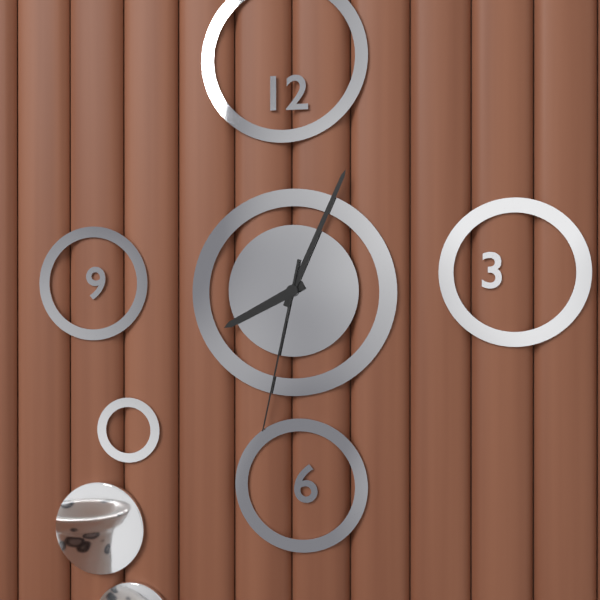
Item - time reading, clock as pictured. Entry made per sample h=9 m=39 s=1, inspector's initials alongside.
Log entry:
h=8 m=4 s=32
